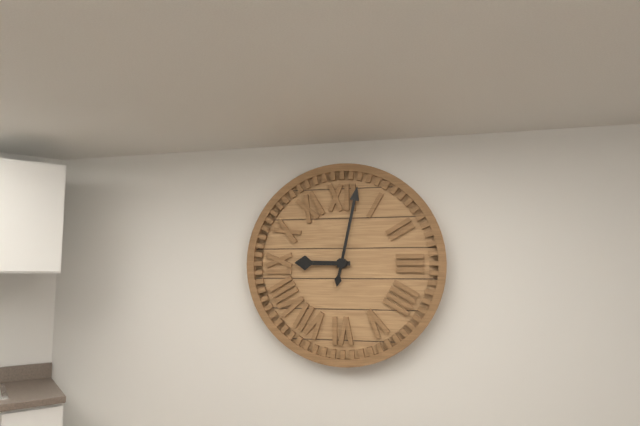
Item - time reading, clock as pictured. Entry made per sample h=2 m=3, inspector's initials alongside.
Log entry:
h=9 m=2
